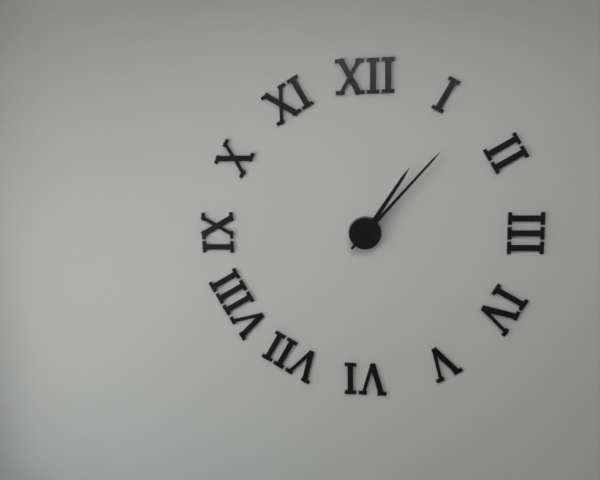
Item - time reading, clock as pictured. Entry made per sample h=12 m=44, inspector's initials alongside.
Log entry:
h=1 m=7
